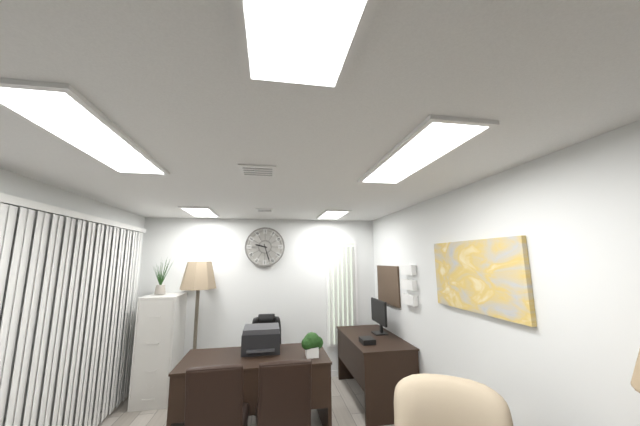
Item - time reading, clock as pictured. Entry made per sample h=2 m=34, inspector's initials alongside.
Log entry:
h=9 m=27
